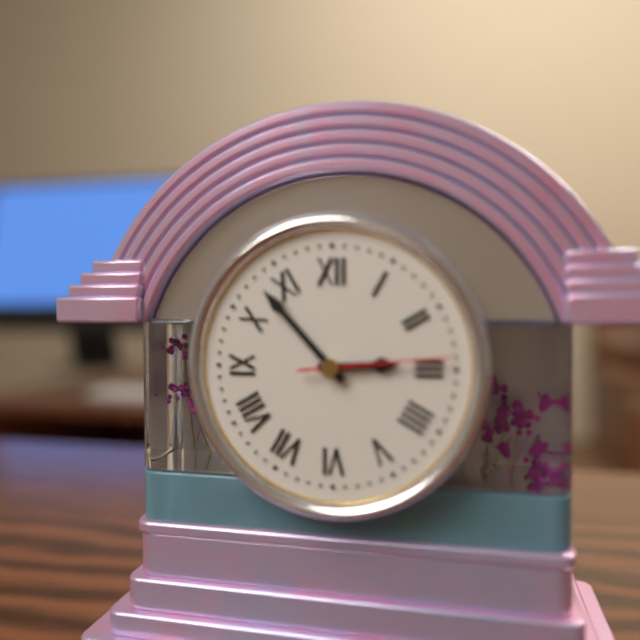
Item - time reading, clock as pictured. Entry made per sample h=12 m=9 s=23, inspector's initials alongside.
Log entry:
h=2 m=53 s=14
